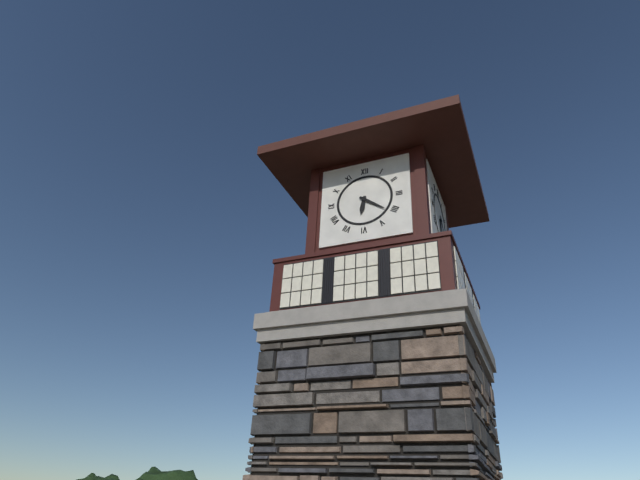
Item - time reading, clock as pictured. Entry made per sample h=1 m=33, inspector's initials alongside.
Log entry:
h=6 m=21
